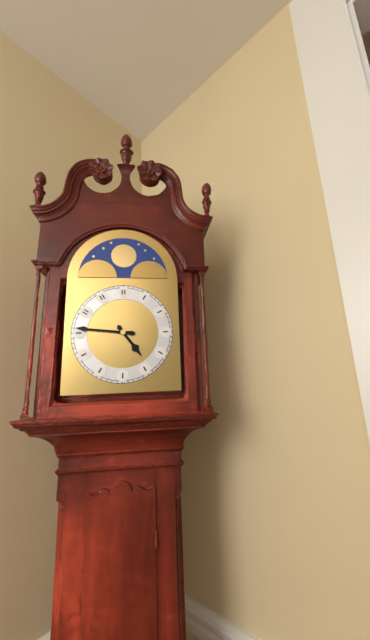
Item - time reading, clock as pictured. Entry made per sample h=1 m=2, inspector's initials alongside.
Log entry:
h=4 m=46
